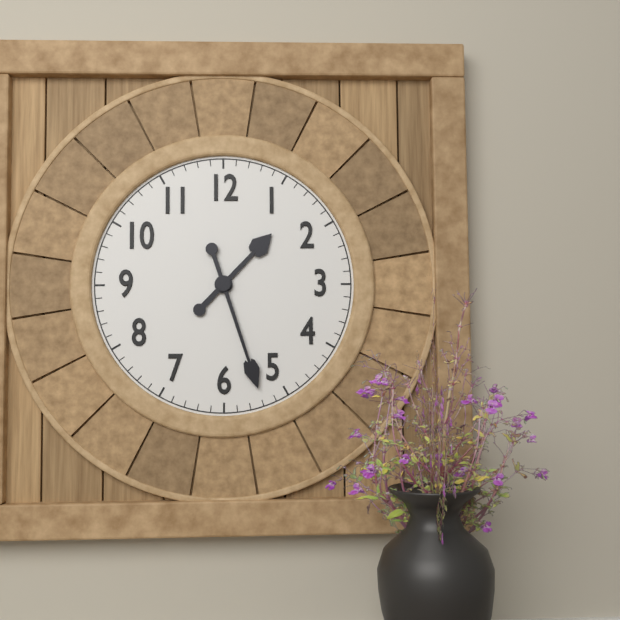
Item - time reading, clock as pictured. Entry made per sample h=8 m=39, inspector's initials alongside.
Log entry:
h=1 m=27
